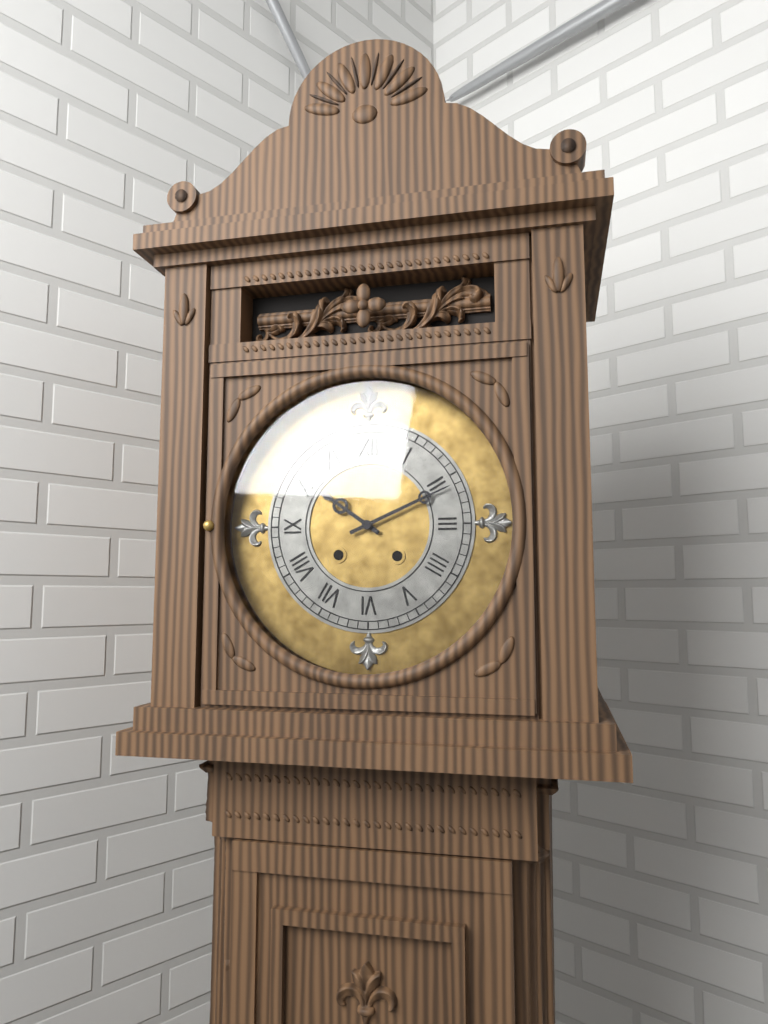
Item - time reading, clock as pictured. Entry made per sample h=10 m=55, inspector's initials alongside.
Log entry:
h=10 m=11
